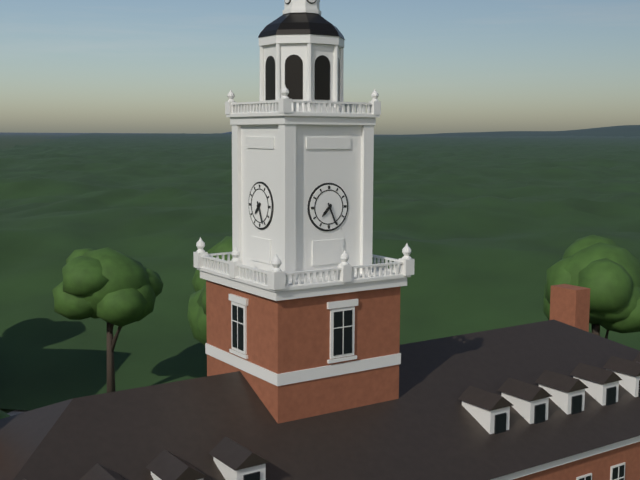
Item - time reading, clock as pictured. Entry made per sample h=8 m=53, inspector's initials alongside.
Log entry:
h=7 m=26
